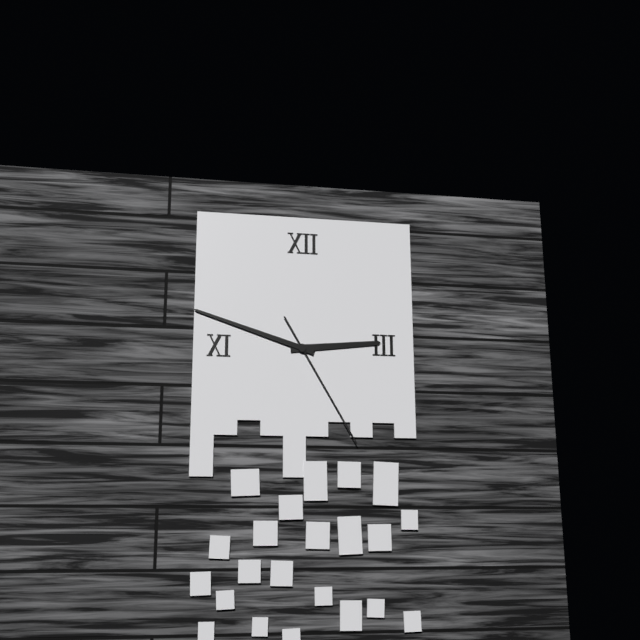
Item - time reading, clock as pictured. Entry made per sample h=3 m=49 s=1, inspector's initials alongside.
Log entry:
h=2 m=48 s=25
